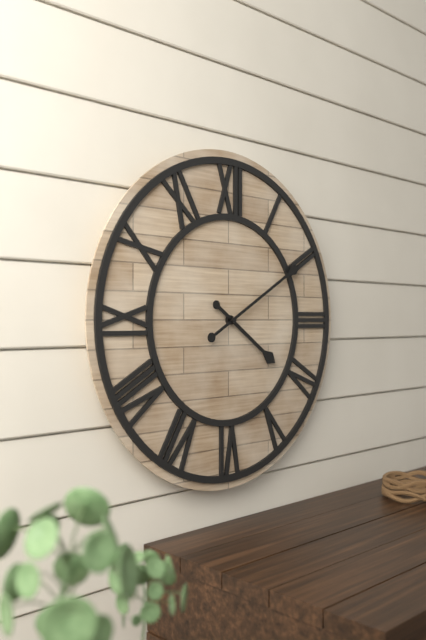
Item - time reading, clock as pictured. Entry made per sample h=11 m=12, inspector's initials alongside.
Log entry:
h=4 m=10
